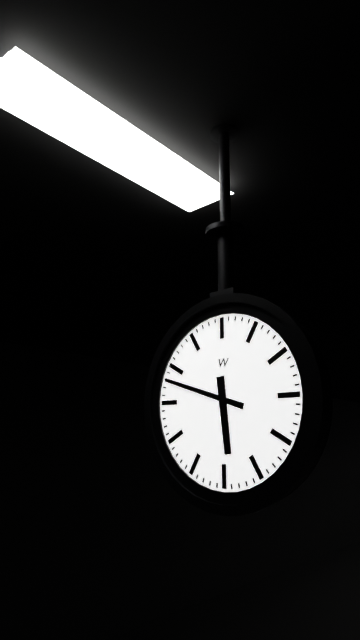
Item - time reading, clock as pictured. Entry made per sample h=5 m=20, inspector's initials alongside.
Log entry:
h=5 m=48
